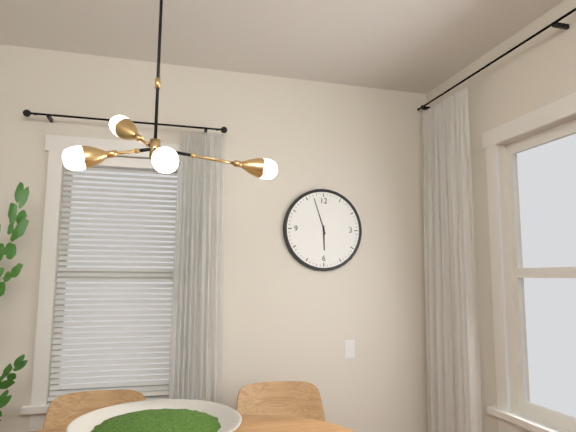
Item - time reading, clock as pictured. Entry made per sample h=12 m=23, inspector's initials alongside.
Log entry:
h=5 m=57
